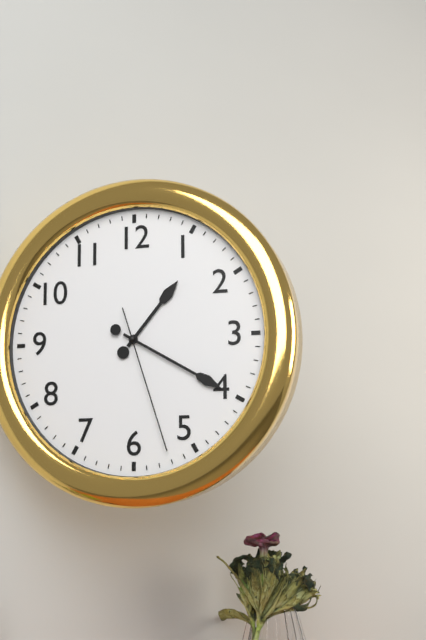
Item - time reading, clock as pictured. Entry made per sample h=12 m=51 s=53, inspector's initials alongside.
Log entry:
h=1 m=20 s=27
